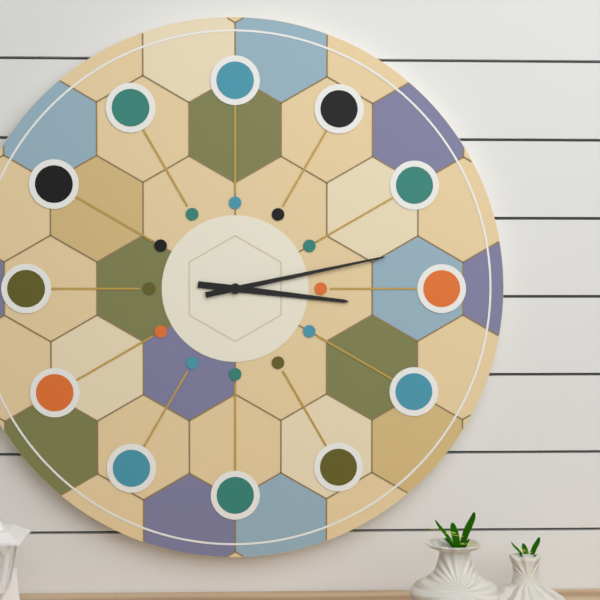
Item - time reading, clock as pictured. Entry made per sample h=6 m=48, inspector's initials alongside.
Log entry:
h=3 m=13
